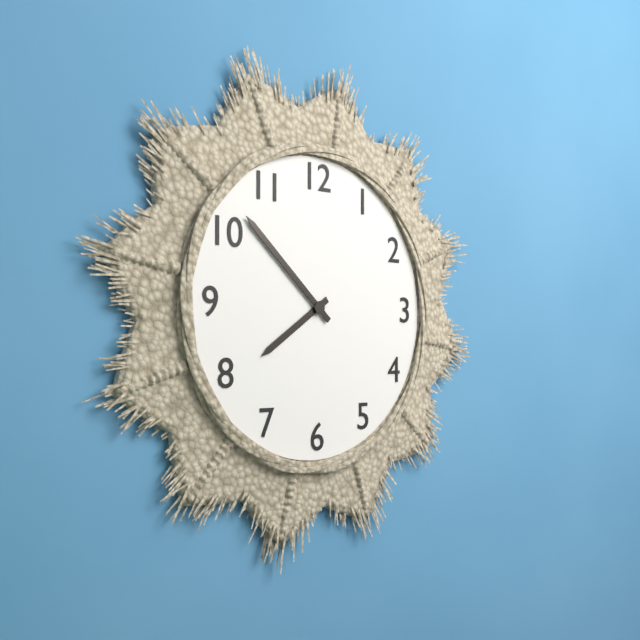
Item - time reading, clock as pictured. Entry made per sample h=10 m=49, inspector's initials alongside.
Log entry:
h=7 m=52
